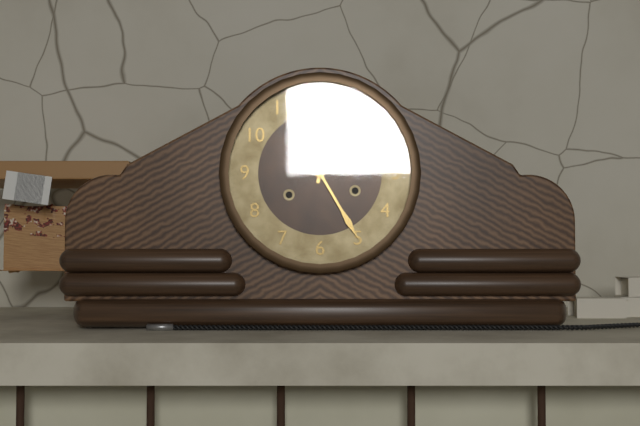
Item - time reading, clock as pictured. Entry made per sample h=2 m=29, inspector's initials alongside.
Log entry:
h=12 m=25
